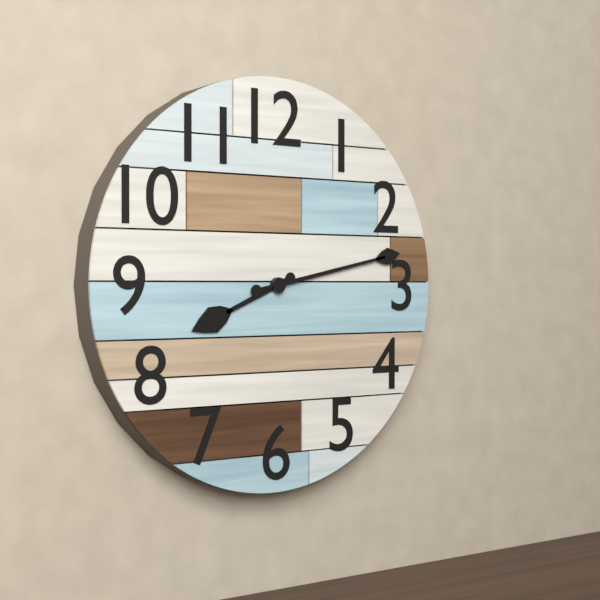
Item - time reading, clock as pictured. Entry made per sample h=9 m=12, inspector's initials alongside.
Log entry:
h=8 m=13
